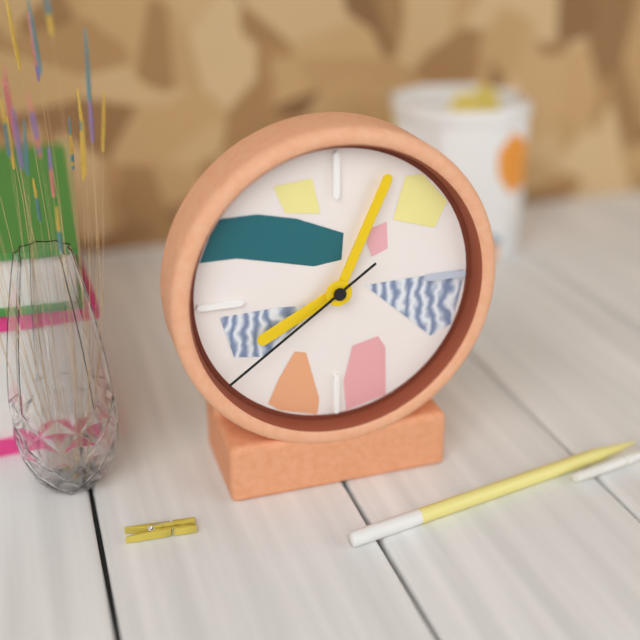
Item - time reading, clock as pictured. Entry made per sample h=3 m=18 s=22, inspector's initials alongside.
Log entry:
h=8 m=4 s=39
